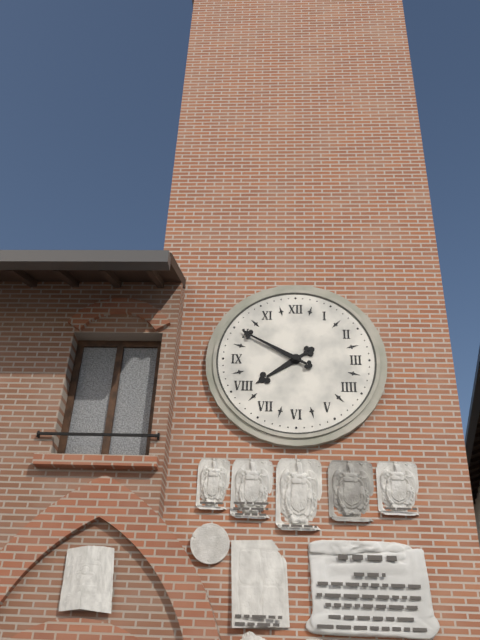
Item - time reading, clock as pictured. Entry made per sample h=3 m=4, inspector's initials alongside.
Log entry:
h=7 m=50
